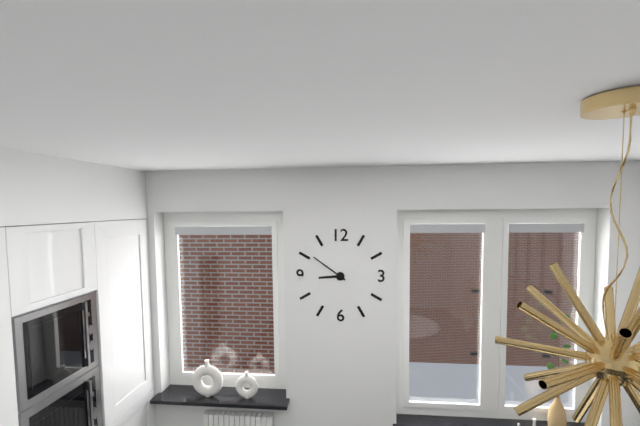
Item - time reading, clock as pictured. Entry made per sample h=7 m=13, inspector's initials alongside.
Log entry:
h=8 m=51
